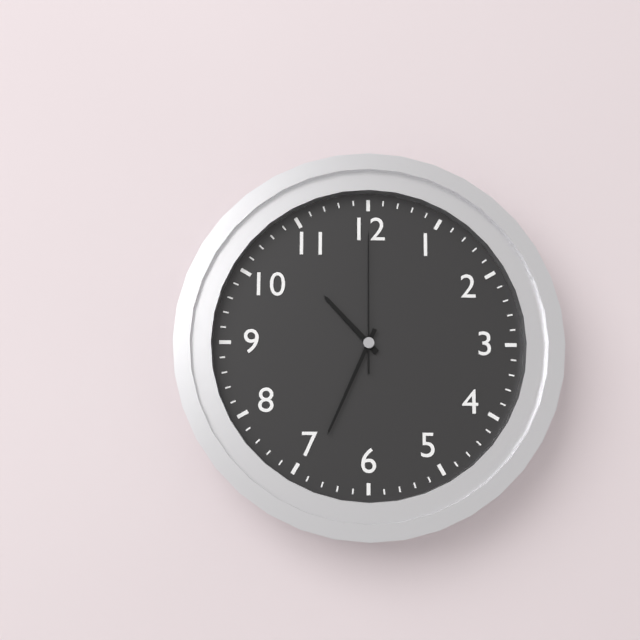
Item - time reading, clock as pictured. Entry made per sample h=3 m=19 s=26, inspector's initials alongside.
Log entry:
h=10 m=34 s=0
